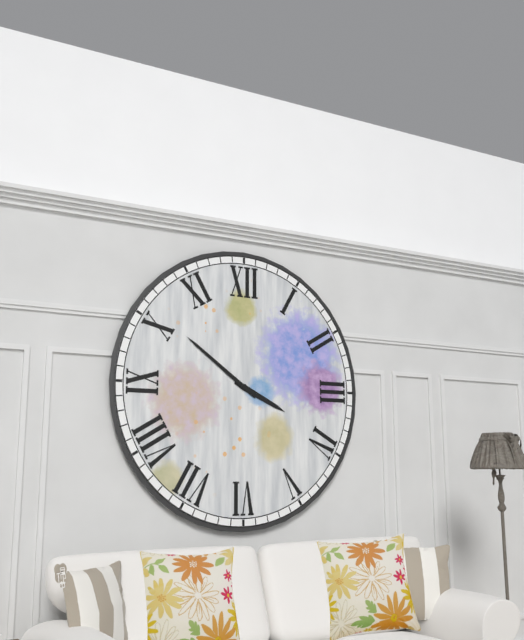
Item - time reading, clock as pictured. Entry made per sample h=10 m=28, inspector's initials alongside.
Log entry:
h=3 m=51
